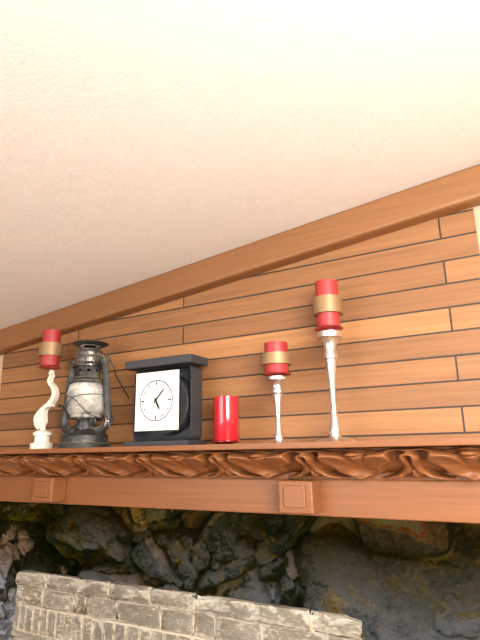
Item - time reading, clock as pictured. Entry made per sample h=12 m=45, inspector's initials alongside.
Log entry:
h=5 m=7
